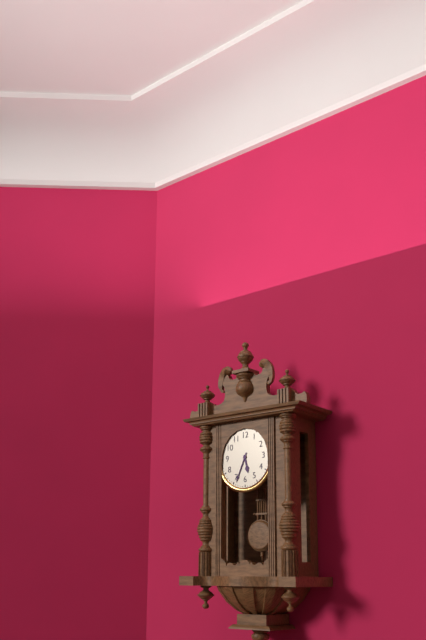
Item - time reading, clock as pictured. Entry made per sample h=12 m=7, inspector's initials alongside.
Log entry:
h=5 m=34
